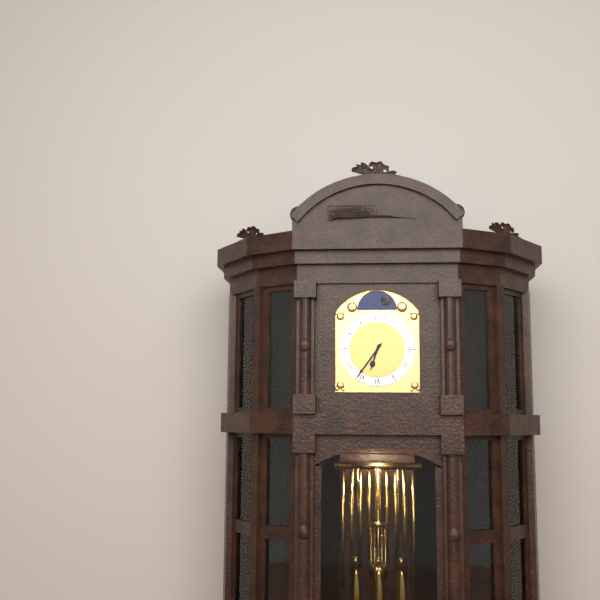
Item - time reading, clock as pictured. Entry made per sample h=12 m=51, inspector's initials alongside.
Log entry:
h=6 m=36
